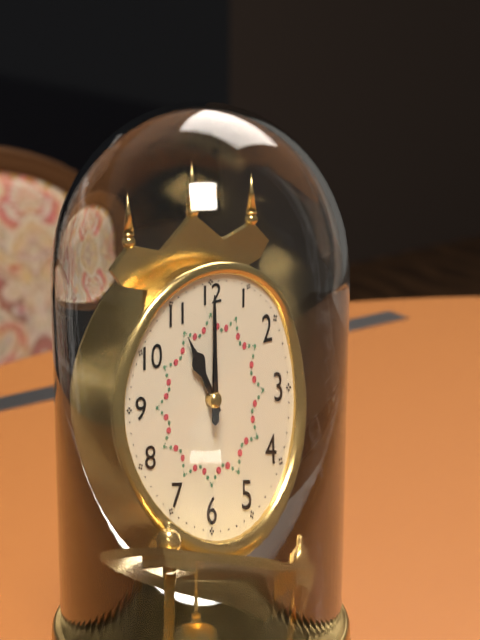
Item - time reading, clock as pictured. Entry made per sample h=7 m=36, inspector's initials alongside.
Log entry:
h=11 m=0
